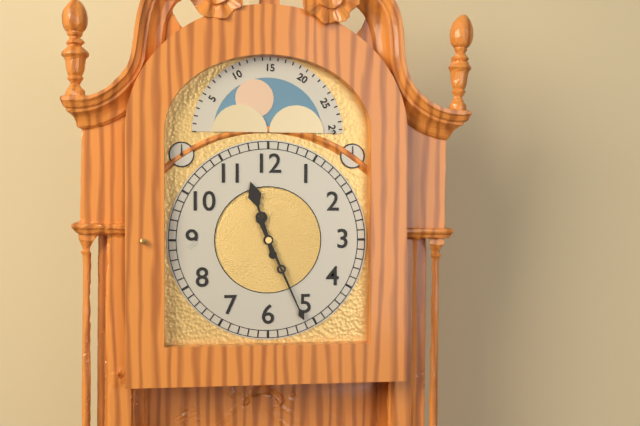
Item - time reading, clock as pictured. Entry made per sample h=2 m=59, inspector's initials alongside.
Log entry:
h=11 m=26
